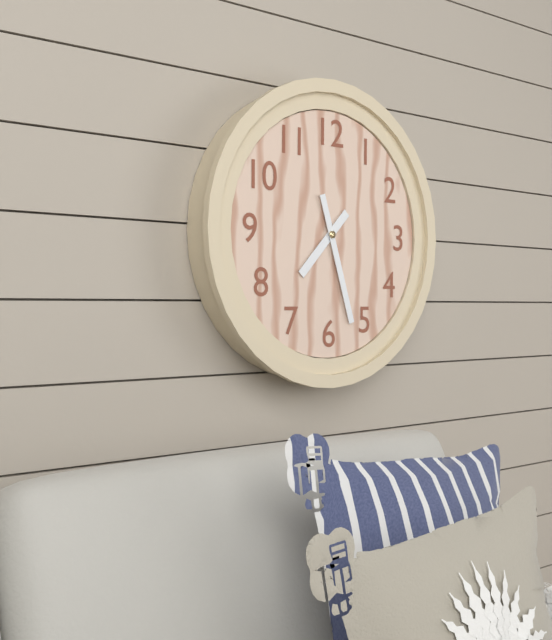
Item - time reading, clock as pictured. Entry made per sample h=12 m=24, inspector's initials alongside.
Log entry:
h=7 m=27
